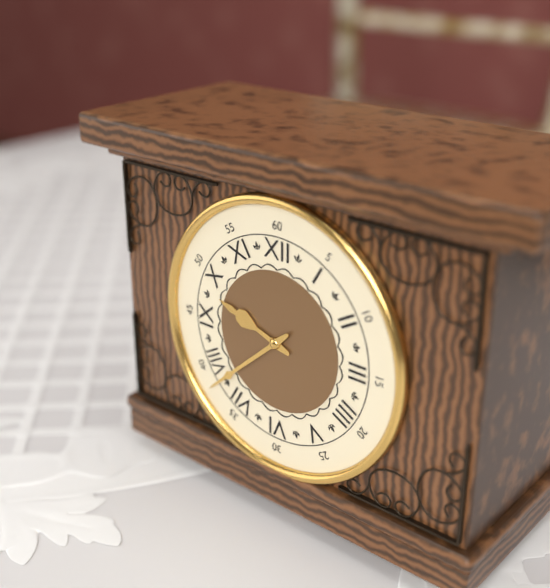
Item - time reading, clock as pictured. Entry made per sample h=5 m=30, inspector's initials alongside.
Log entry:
h=9 m=38
